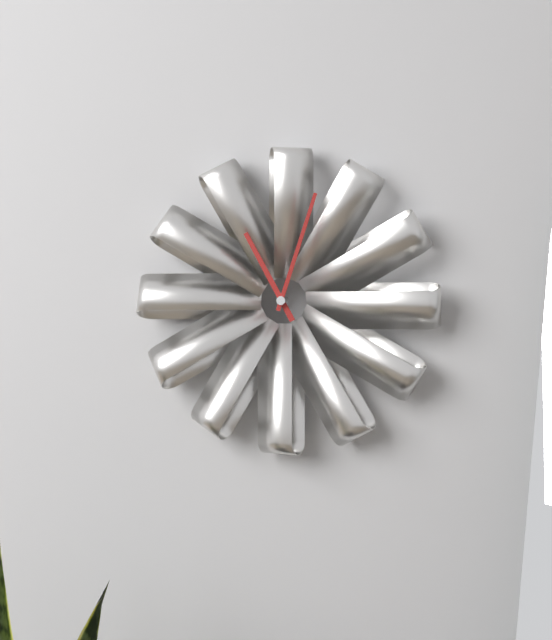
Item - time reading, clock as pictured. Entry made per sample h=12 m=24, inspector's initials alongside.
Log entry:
h=11 m=3
